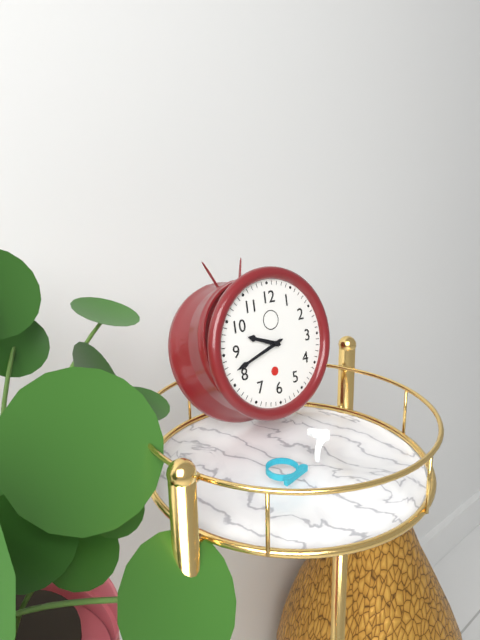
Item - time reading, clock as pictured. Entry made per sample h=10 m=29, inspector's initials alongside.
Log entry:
h=9 m=42
